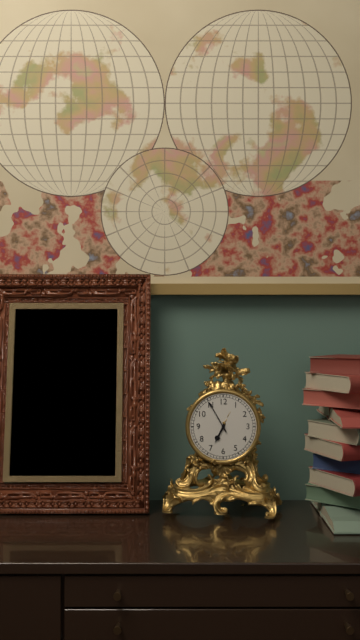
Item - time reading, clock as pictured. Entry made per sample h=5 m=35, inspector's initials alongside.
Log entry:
h=6 m=55
